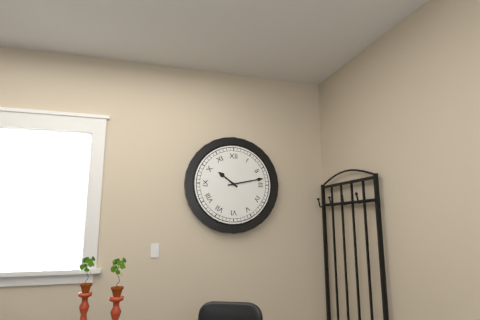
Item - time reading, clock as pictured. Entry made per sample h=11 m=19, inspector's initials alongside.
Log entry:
h=10 m=13
